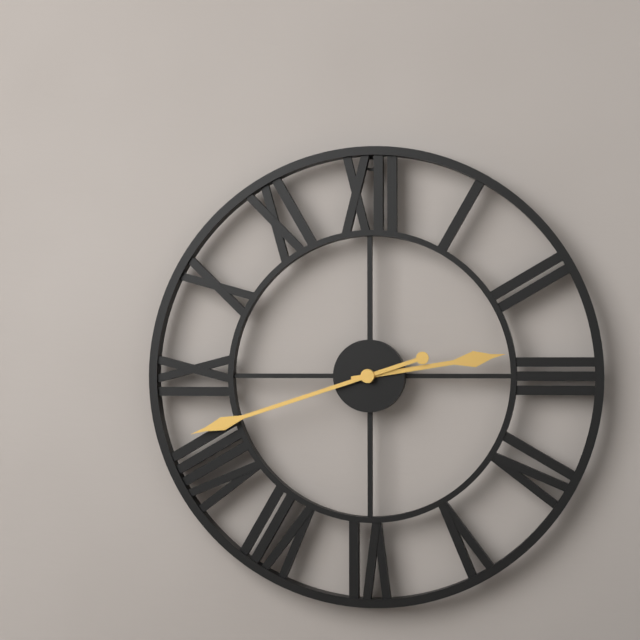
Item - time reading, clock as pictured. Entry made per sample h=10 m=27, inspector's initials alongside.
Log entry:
h=2 m=42
